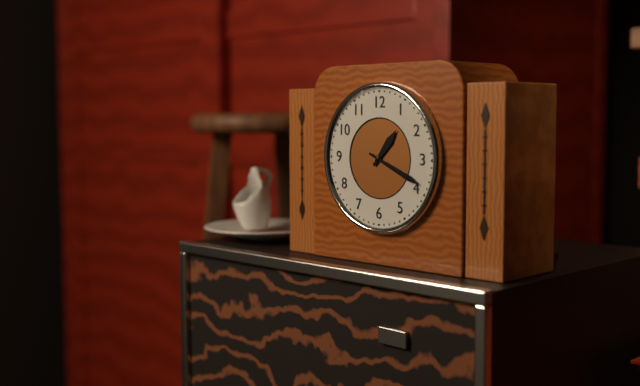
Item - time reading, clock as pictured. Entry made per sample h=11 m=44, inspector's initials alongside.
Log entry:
h=1 m=19
